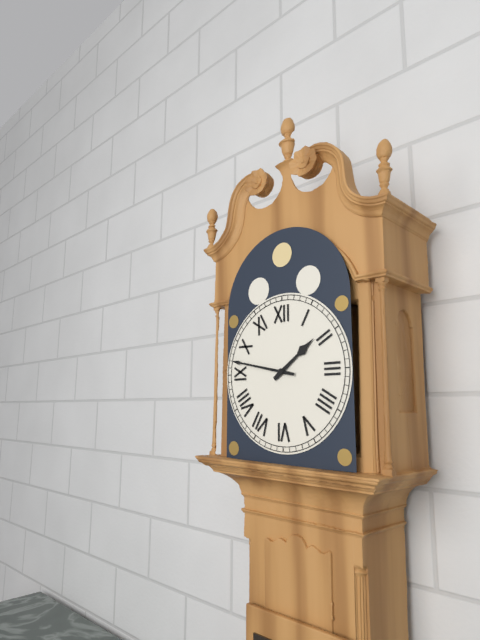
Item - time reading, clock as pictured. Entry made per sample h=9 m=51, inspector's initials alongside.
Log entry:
h=1 m=47
